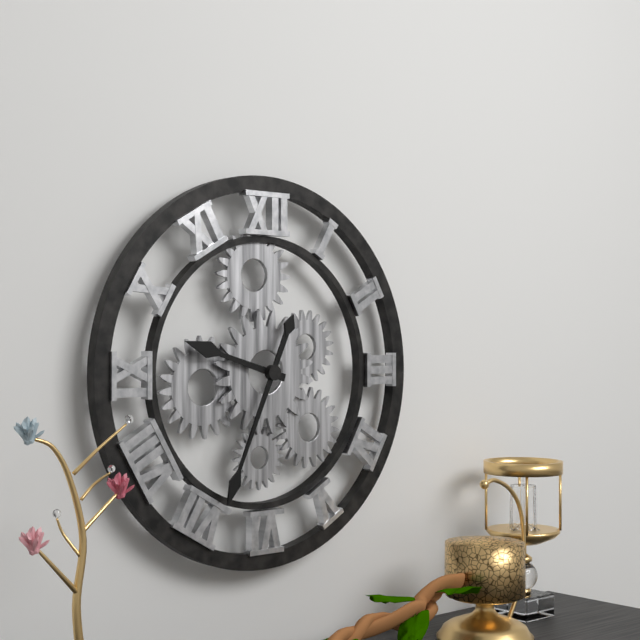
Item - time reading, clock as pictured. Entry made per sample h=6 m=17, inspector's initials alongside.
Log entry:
h=9 m=34
